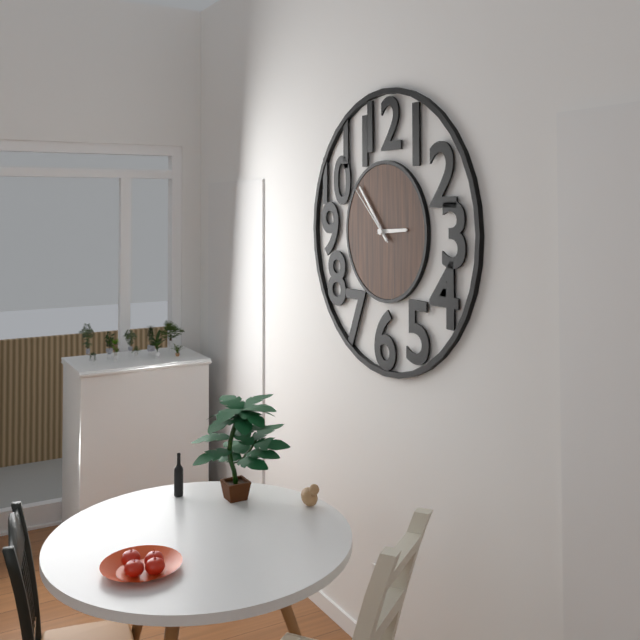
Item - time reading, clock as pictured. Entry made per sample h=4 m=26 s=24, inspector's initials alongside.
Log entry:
h=2 m=53 s=52
